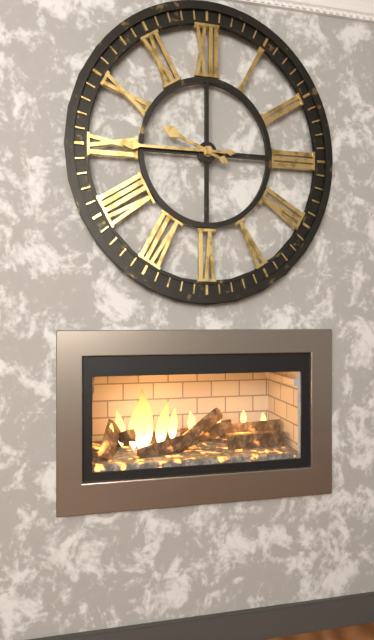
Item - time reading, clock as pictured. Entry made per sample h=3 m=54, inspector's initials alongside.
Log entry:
h=9 m=45
